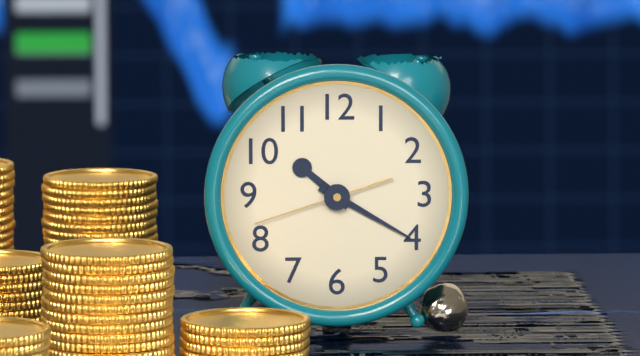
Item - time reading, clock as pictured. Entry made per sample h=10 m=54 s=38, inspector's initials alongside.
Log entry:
h=10 m=20 s=42
